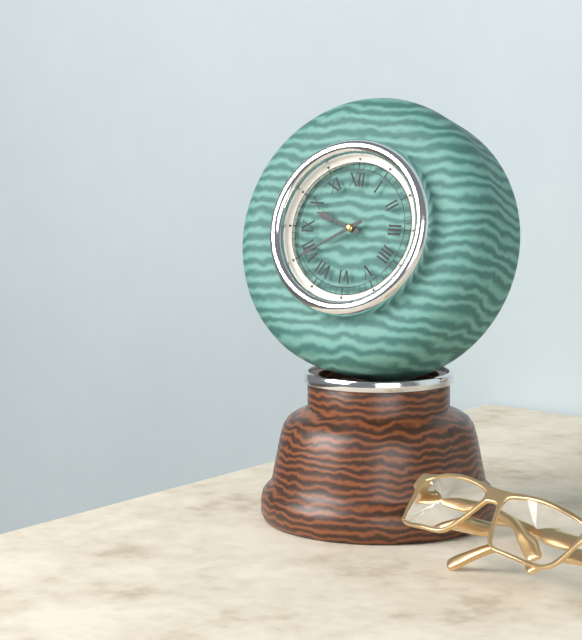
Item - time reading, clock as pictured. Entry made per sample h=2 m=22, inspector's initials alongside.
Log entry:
h=9 m=40
